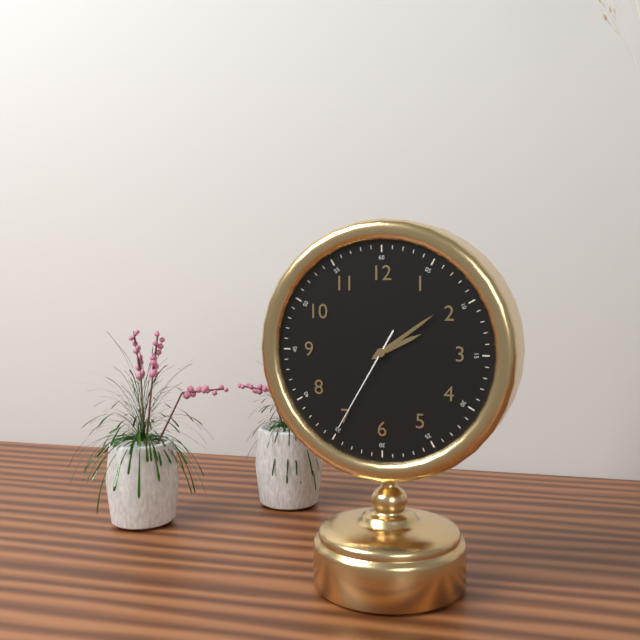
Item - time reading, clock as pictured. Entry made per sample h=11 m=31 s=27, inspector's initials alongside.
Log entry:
h=2 m=9 s=35
